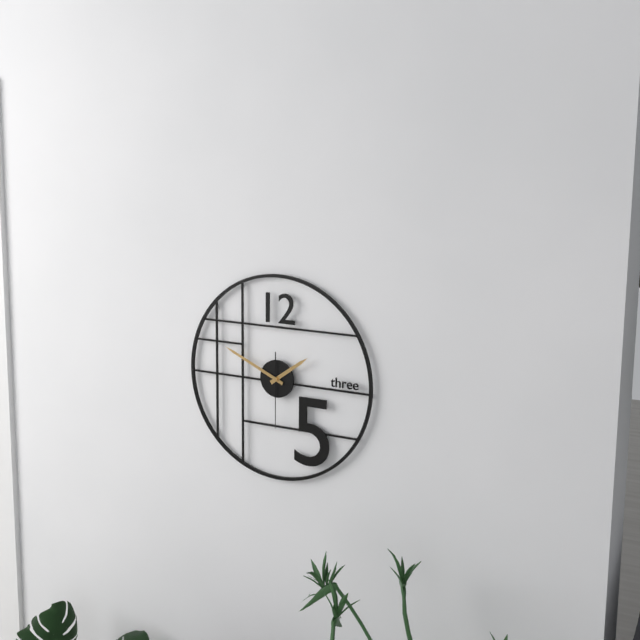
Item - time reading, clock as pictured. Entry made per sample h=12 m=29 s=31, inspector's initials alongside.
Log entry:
h=1 m=49 s=30
